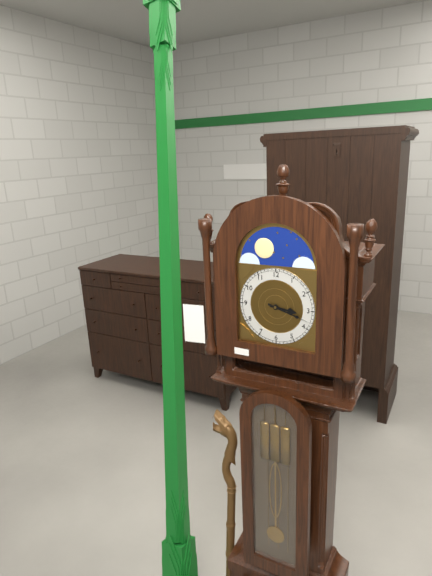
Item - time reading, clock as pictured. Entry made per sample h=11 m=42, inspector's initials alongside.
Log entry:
h=3 m=18
